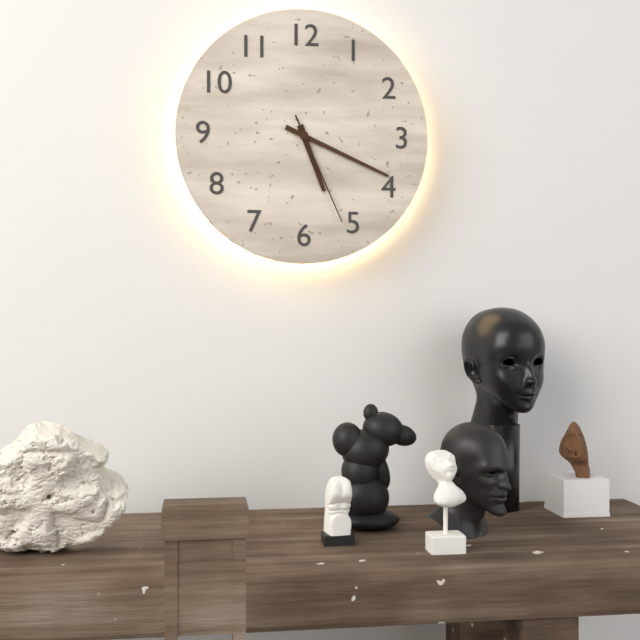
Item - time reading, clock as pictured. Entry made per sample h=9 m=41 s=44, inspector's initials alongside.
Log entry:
h=5 m=19 s=26
